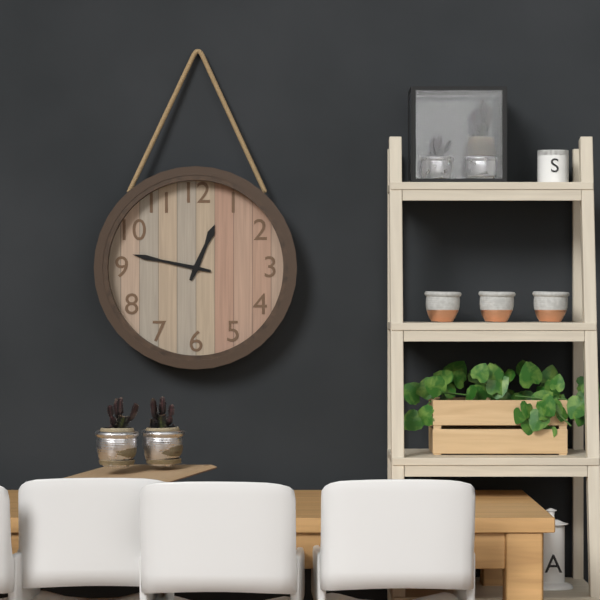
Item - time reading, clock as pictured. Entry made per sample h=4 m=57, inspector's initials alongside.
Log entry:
h=12 m=47
